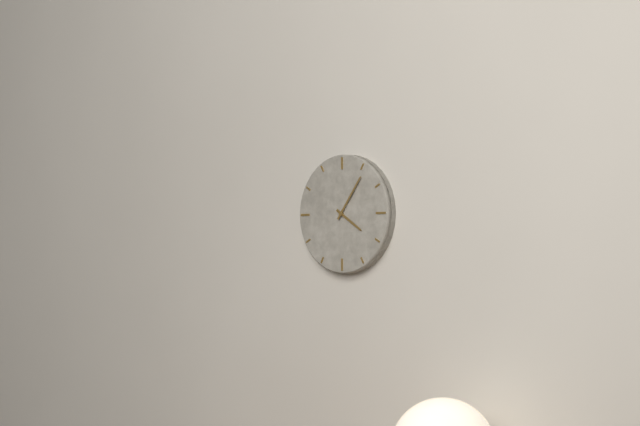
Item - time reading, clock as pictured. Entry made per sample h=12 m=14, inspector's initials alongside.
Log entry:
h=4 m=6
